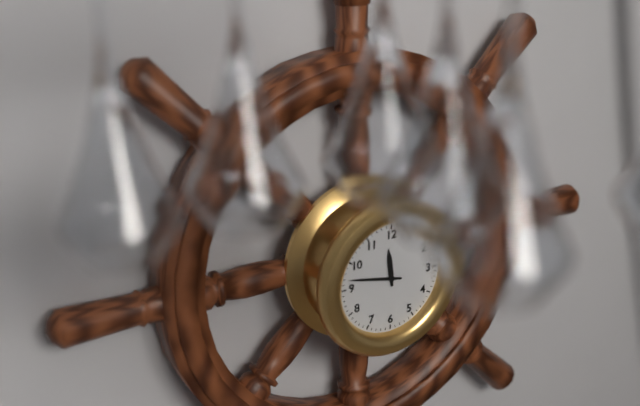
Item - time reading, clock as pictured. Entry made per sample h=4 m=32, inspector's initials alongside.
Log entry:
h=11 m=47
